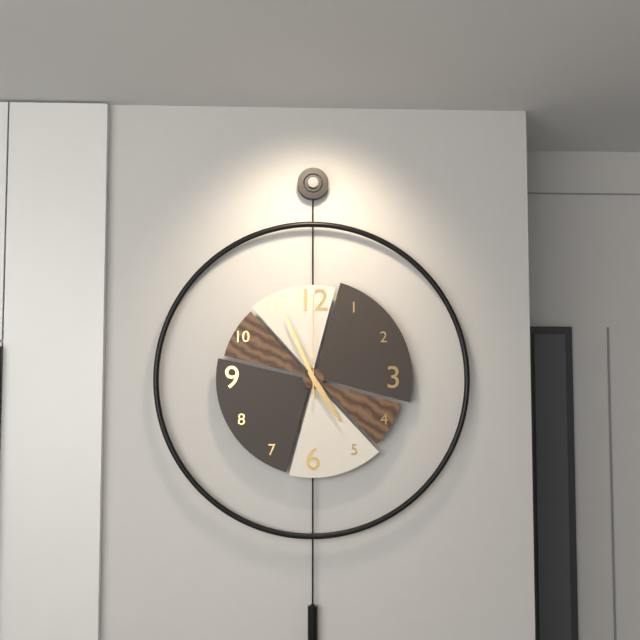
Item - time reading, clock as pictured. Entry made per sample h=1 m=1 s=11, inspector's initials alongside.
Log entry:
h=4 m=56 s=0
